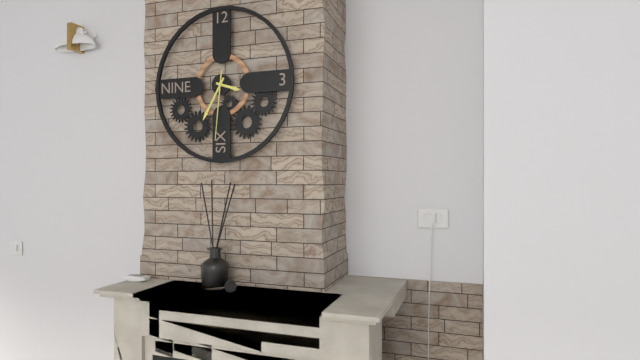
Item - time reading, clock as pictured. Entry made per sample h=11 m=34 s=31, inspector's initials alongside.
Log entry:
h=3 m=35 s=31
